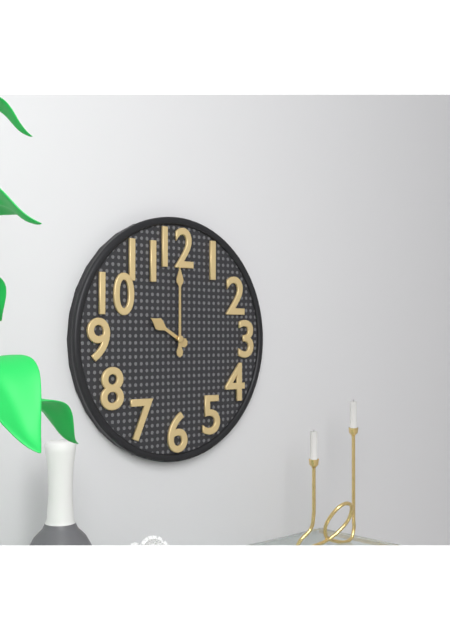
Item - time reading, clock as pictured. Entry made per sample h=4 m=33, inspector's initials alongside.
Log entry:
h=10 m=0
